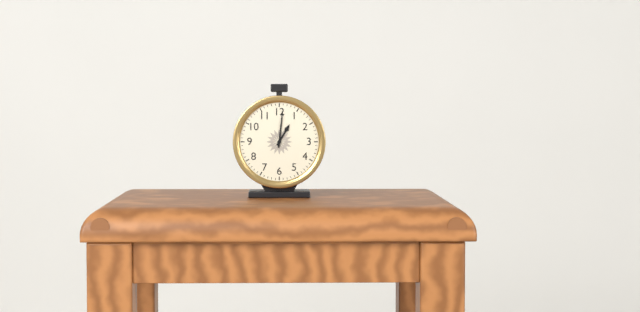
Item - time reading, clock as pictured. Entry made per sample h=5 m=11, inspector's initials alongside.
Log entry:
h=1 m=1
